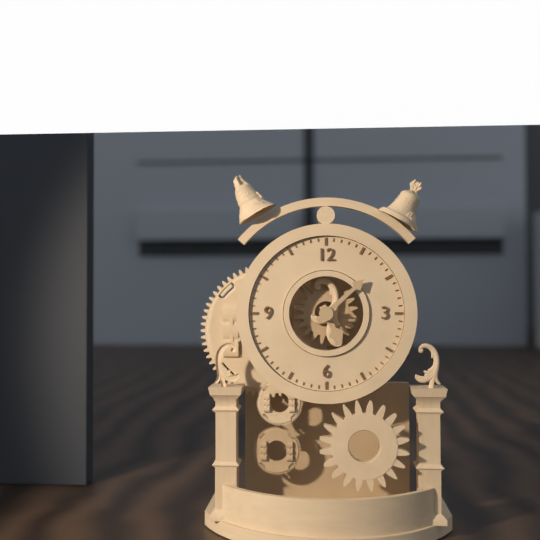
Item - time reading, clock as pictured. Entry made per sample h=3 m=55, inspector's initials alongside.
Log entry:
h=5 m=8
